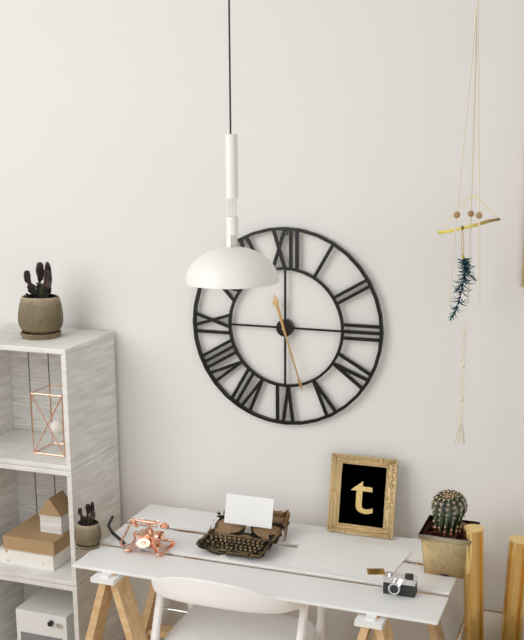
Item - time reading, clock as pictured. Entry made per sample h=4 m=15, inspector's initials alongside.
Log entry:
h=11 m=27
